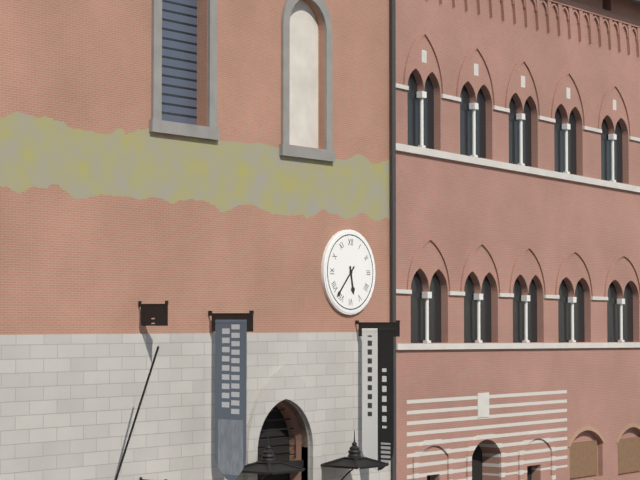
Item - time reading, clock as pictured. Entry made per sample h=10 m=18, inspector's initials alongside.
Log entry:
h=5 m=37
